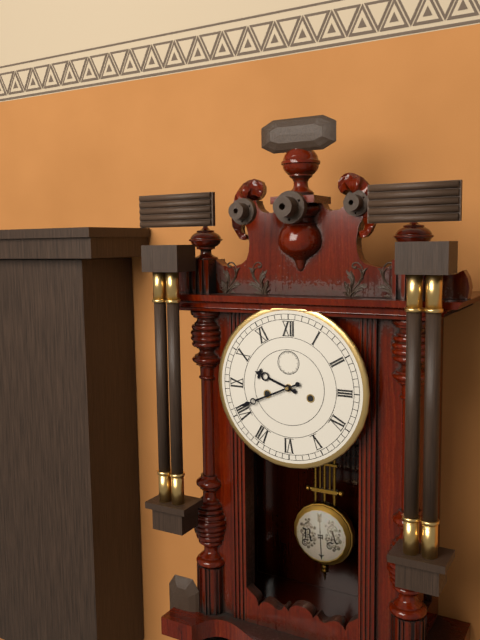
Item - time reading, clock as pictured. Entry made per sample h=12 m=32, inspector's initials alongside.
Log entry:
h=9 m=41
